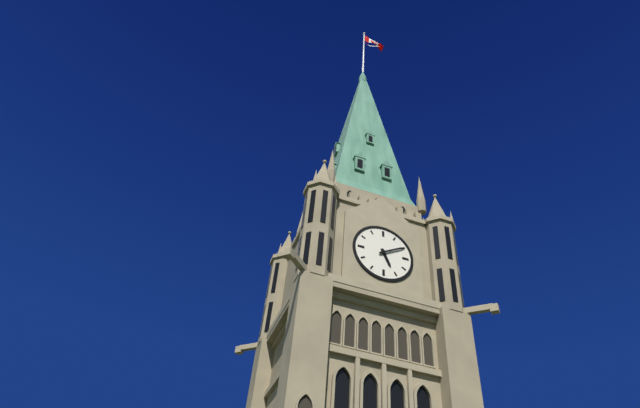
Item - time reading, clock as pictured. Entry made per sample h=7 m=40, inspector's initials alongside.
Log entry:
h=5 m=10
